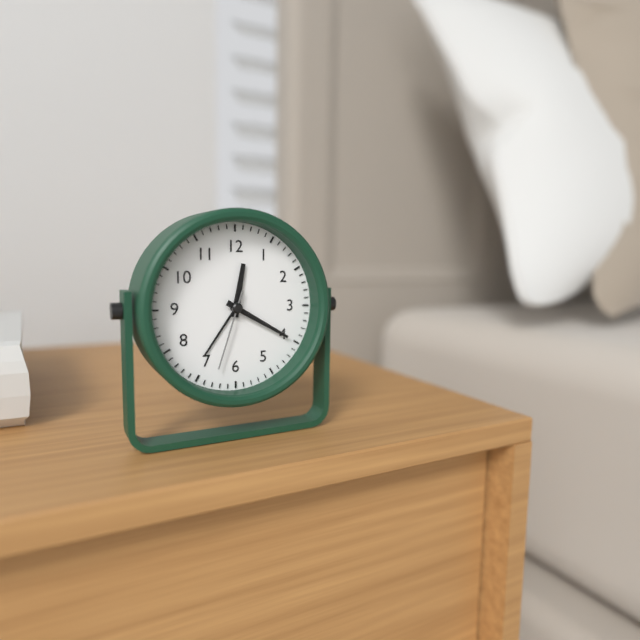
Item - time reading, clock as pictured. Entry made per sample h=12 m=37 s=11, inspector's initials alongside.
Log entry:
h=12 m=20 s=33
